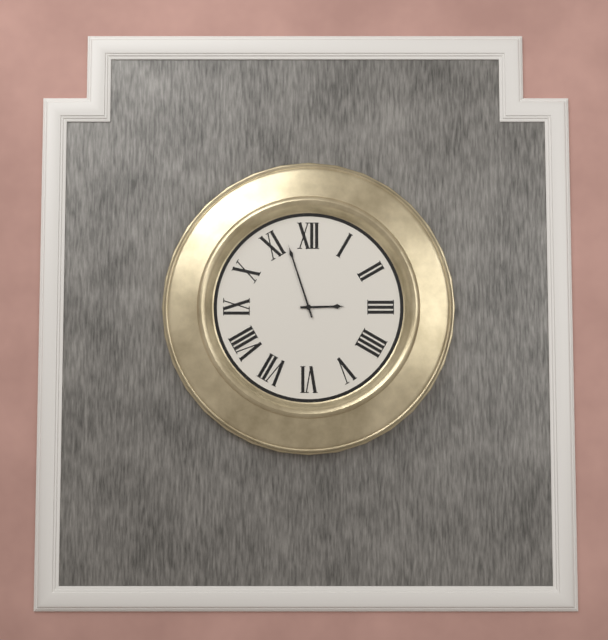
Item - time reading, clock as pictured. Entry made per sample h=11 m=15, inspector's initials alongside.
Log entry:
h=2 m=57
